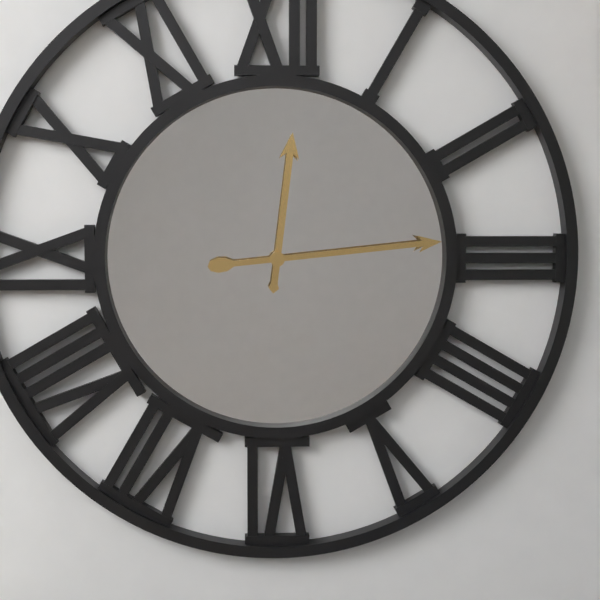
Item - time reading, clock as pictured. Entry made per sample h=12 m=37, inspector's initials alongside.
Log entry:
h=12 m=14
